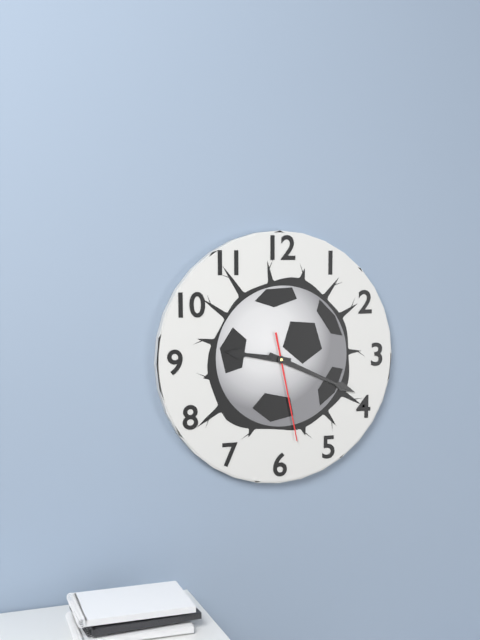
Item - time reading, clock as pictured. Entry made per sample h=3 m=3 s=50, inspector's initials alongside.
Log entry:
h=9 m=19 s=28
